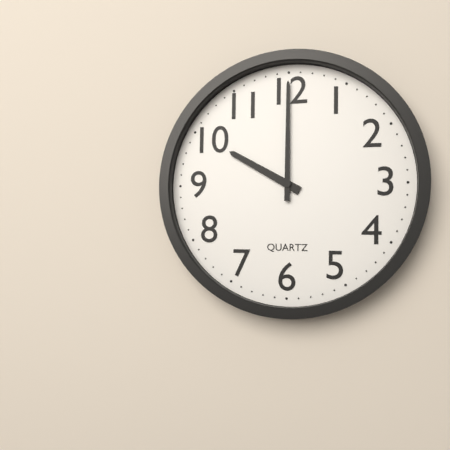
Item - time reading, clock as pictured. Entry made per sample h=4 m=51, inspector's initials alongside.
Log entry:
h=10 m=0
